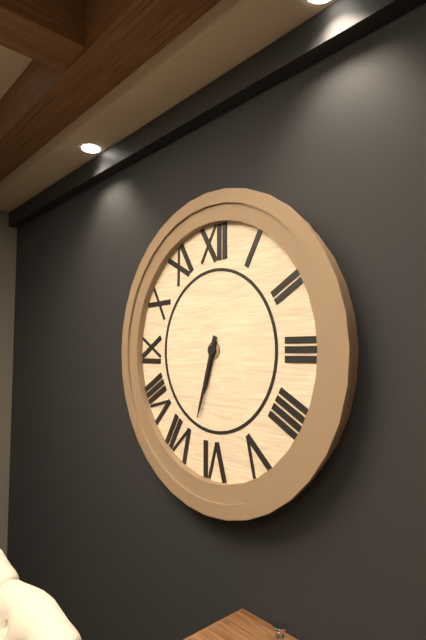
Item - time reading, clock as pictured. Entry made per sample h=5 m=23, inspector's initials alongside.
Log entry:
h=6 m=33
